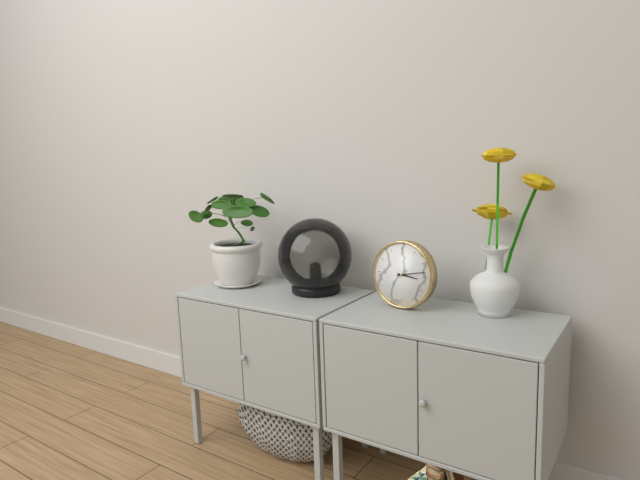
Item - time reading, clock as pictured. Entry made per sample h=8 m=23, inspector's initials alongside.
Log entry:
h=3 m=13
